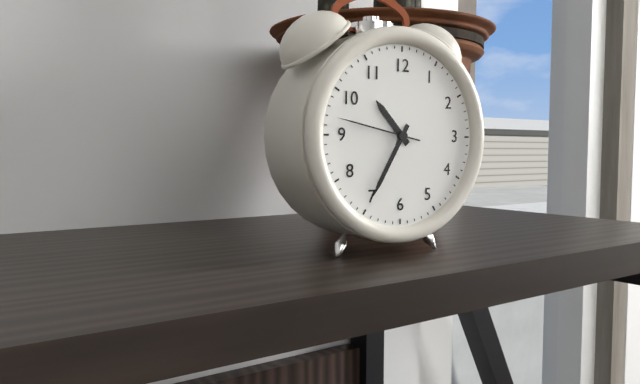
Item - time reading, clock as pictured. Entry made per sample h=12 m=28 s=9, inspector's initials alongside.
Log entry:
h=10 m=35 s=47
